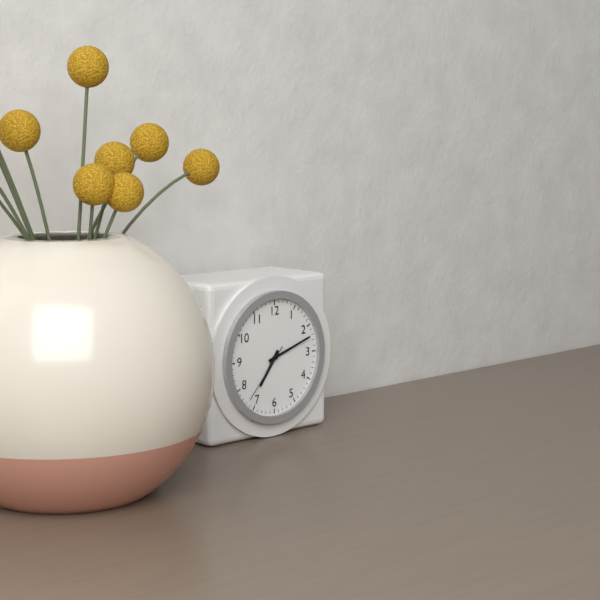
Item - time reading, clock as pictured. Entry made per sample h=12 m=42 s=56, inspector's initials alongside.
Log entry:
h=7 m=12 s=37
